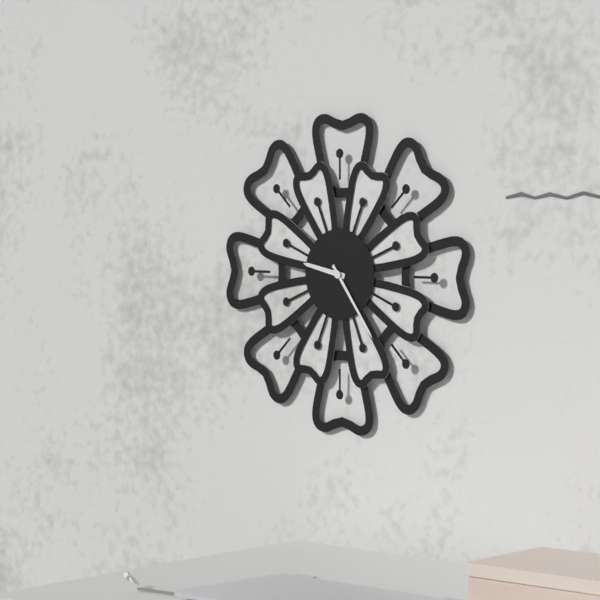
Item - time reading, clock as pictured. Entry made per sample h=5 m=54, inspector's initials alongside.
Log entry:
h=9 m=24
